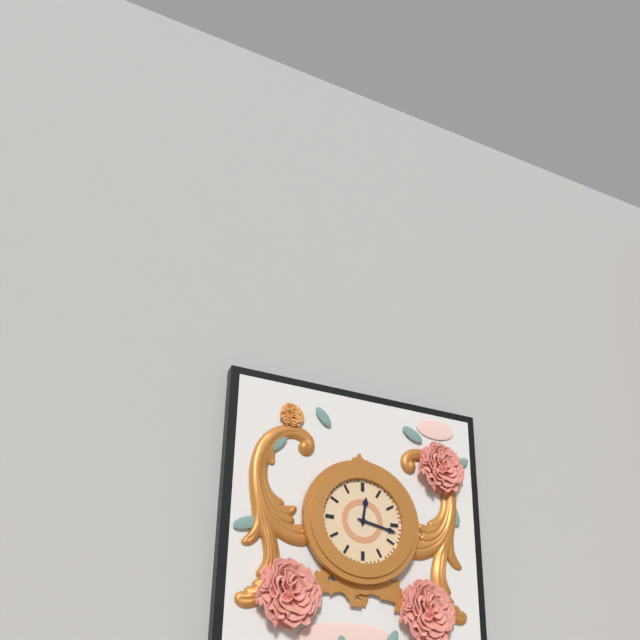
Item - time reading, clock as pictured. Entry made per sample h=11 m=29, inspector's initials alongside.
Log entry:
h=12 m=17
